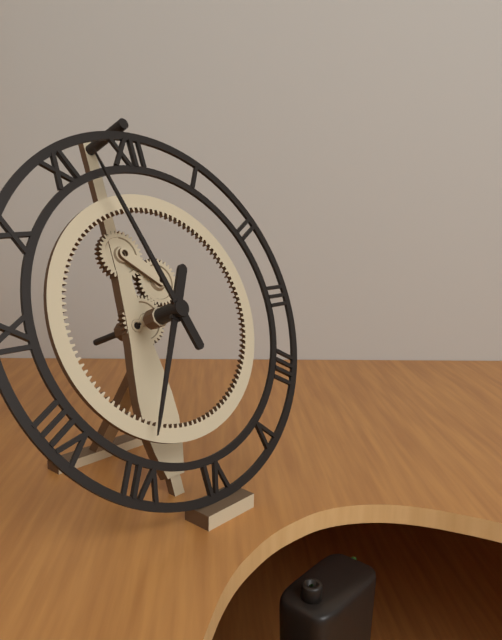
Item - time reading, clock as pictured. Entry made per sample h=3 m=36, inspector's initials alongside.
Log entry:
h=6 m=57
